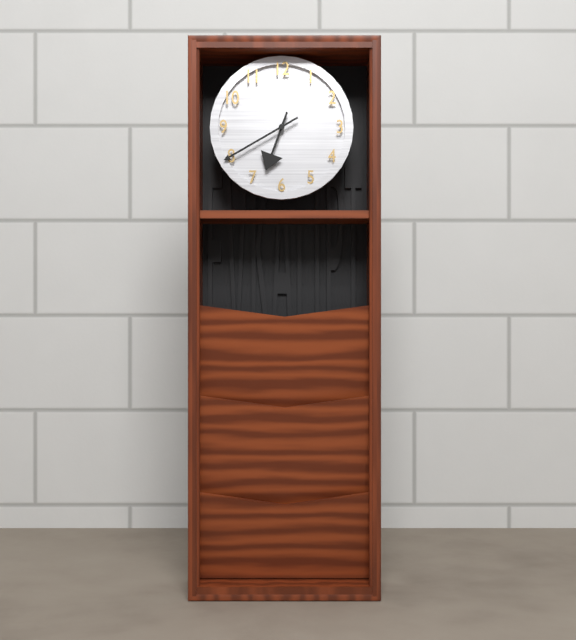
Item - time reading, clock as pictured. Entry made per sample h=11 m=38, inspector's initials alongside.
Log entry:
h=6 m=40
